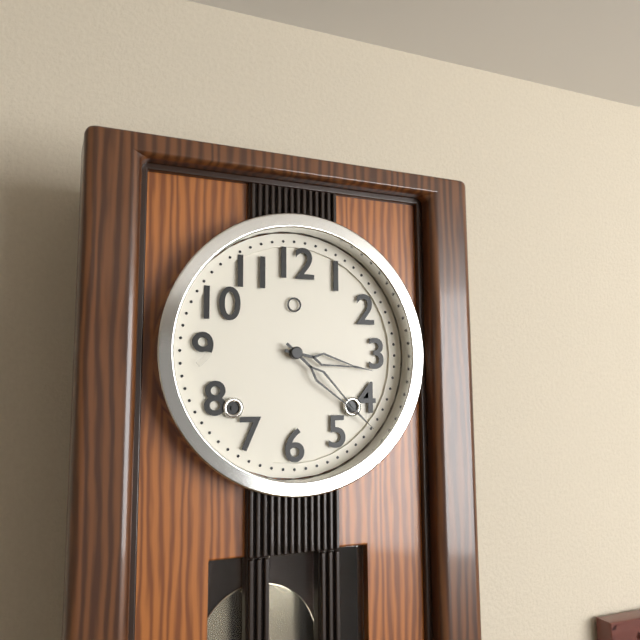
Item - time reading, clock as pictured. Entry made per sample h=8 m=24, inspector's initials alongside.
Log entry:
h=3 m=22
